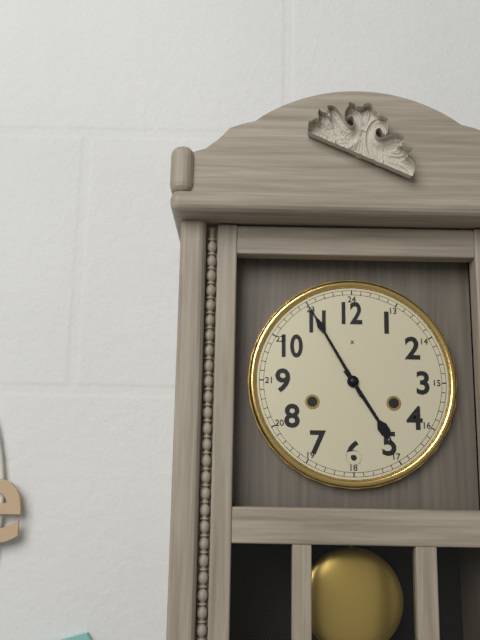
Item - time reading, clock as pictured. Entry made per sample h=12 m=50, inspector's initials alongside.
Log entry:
h=4 m=55
